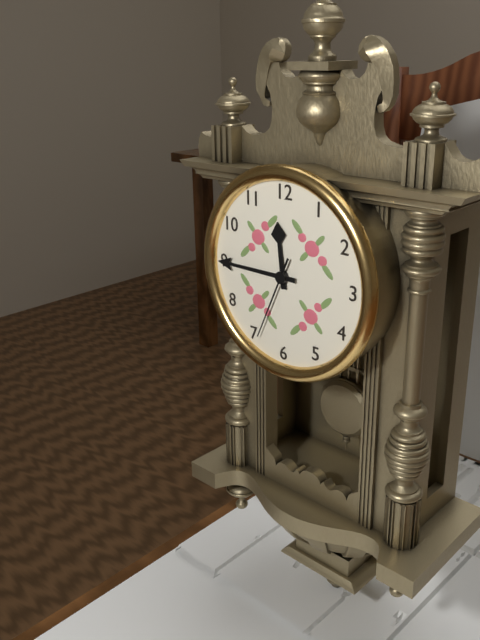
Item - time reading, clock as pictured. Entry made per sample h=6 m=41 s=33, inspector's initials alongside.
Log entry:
h=11 m=45 s=34
